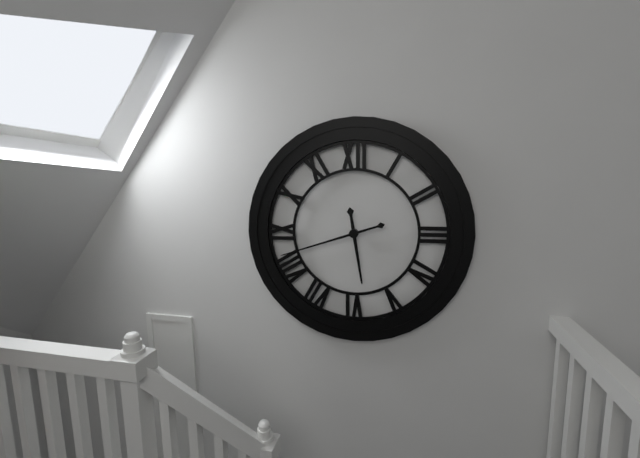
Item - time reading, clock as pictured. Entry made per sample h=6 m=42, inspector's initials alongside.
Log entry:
h=5 m=42
